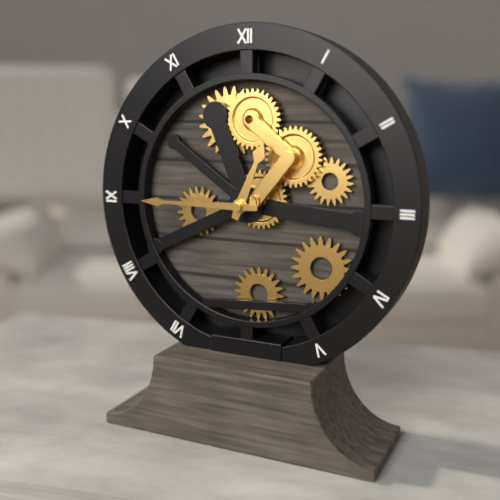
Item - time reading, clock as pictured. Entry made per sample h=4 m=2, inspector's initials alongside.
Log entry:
h=12 m=45
